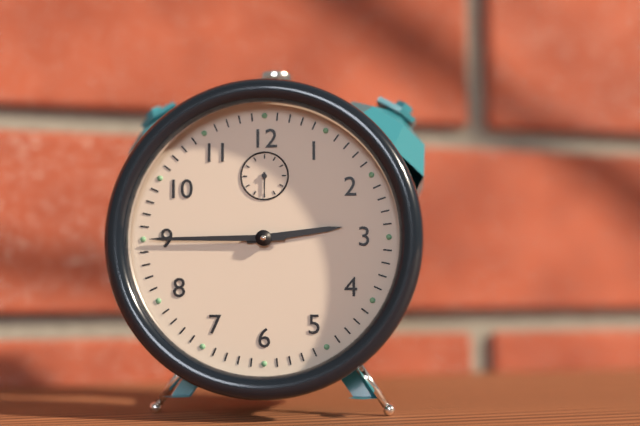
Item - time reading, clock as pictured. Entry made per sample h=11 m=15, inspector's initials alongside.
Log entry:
h=2 m=45
